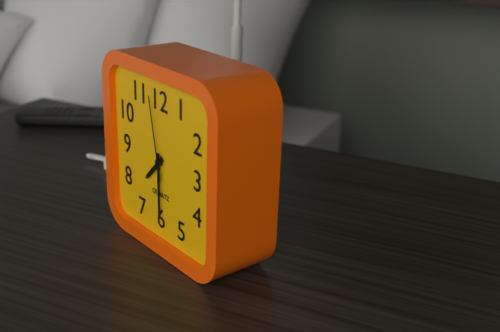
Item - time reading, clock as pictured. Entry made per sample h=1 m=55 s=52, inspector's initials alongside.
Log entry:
h=7 m=30 s=58
